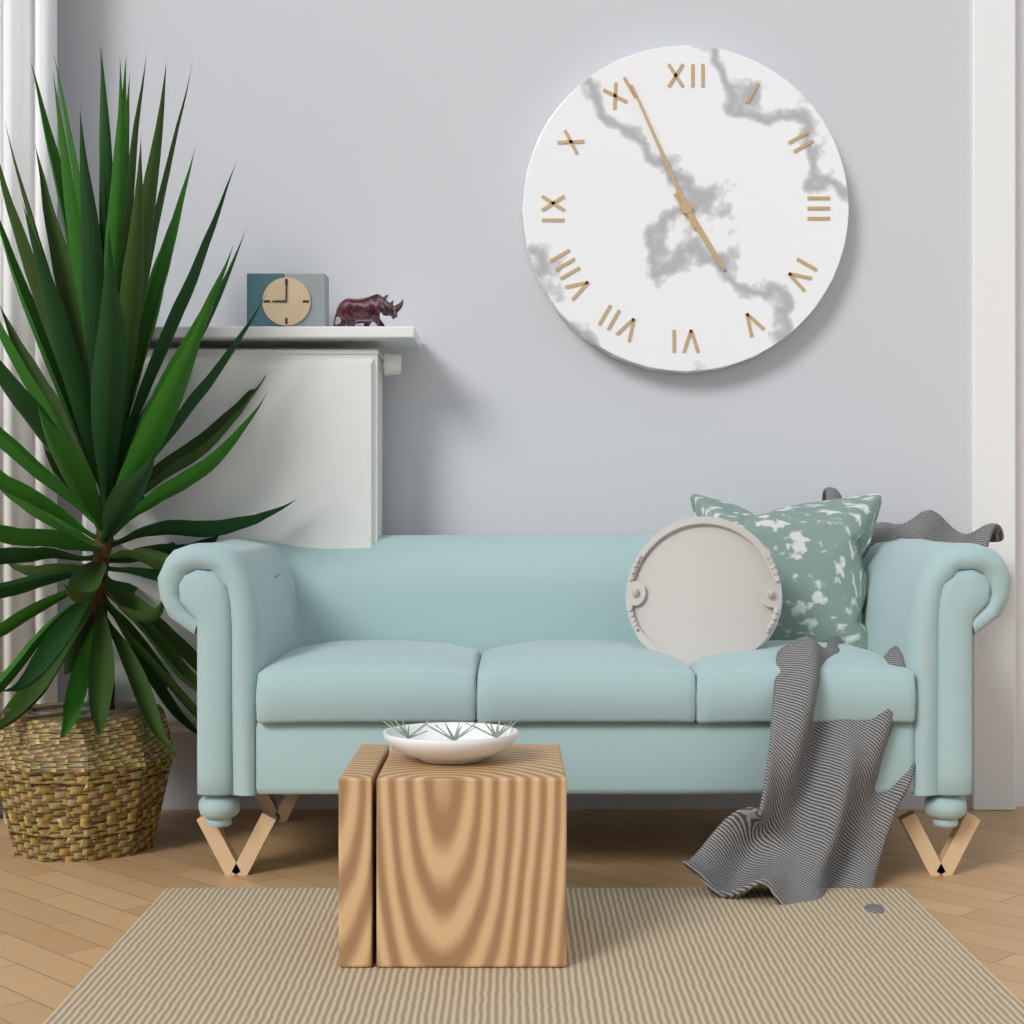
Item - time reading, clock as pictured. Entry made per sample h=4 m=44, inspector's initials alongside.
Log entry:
h=4 m=56
